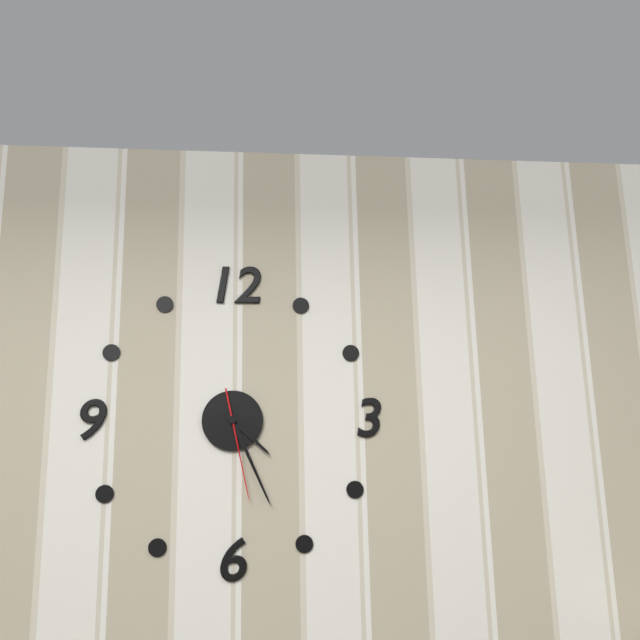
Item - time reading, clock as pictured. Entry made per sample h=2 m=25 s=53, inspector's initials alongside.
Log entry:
h=4 m=26 s=28
